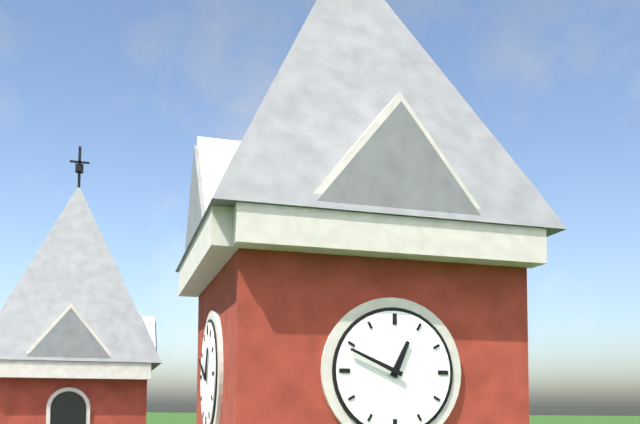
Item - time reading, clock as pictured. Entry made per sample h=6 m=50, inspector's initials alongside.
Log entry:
h=12 m=49
